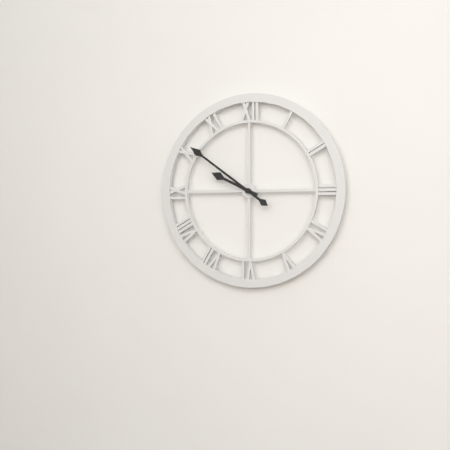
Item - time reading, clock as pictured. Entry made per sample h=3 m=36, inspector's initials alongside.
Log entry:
h=9 m=51
